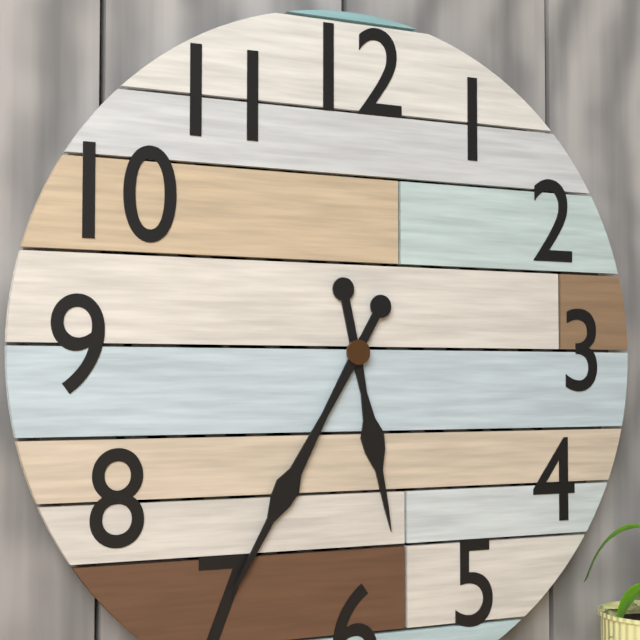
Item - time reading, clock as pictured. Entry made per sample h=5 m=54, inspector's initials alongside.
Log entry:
h=5 m=35
